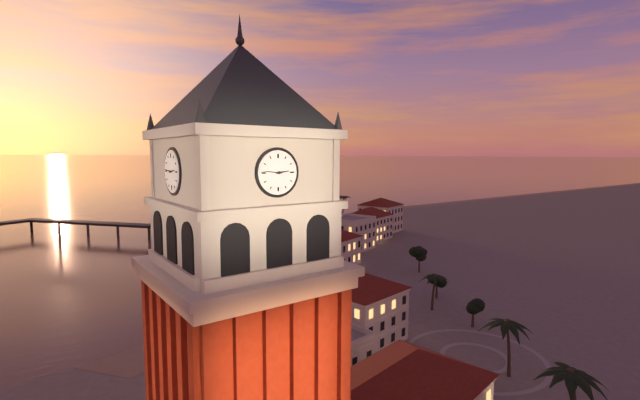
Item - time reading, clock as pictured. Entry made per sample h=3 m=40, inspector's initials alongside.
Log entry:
h=2 m=46
